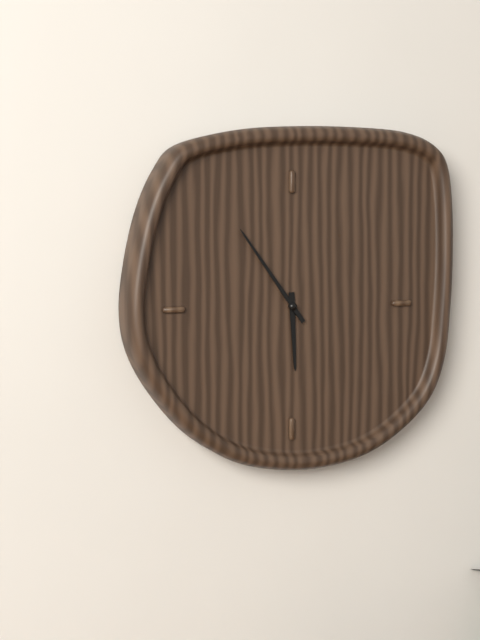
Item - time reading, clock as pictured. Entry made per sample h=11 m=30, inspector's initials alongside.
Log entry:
h=5 m=54
